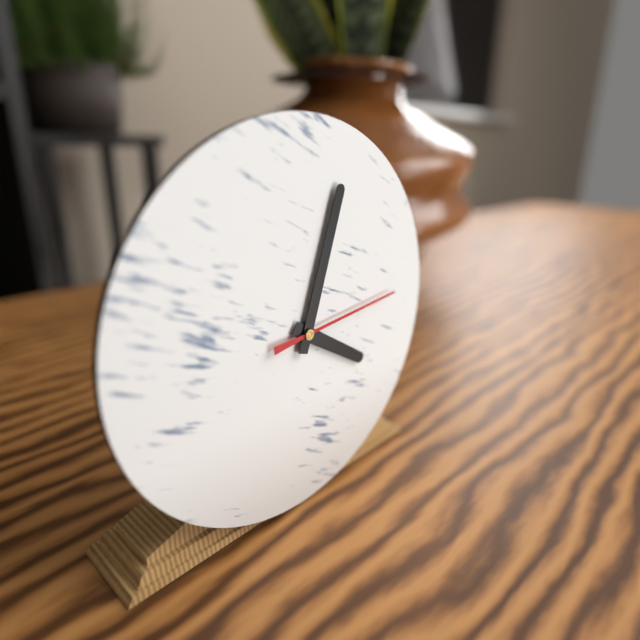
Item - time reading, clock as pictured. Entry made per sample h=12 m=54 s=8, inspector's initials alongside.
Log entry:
h=4 m=3 s=14
